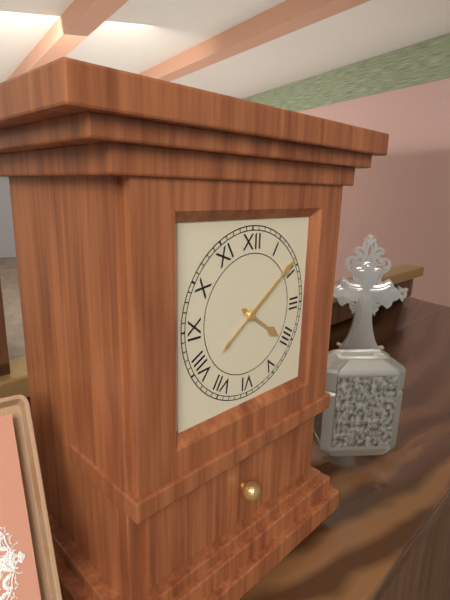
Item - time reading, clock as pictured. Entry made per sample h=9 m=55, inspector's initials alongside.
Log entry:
h=4 m=9
